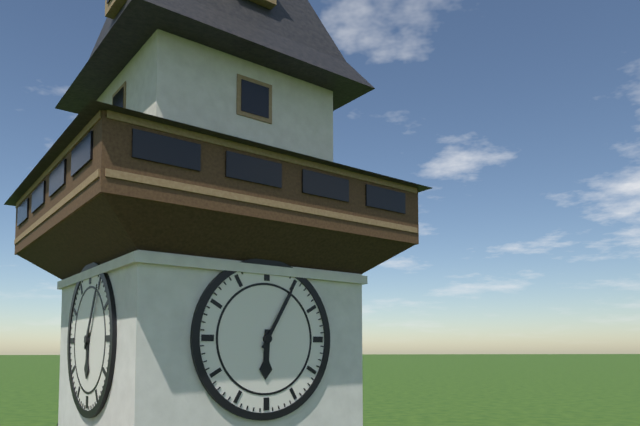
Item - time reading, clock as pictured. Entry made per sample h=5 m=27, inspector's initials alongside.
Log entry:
h=6 m=5
